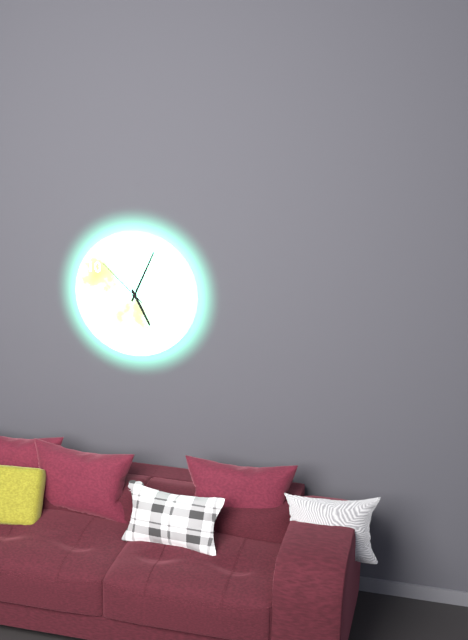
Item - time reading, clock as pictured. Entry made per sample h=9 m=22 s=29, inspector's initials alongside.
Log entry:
h=5 m=4 s=52
